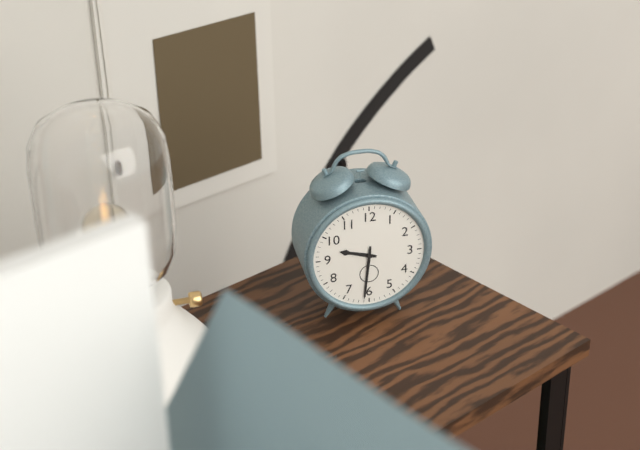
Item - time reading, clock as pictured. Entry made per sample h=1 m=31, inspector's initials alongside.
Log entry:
h=9 m=31
